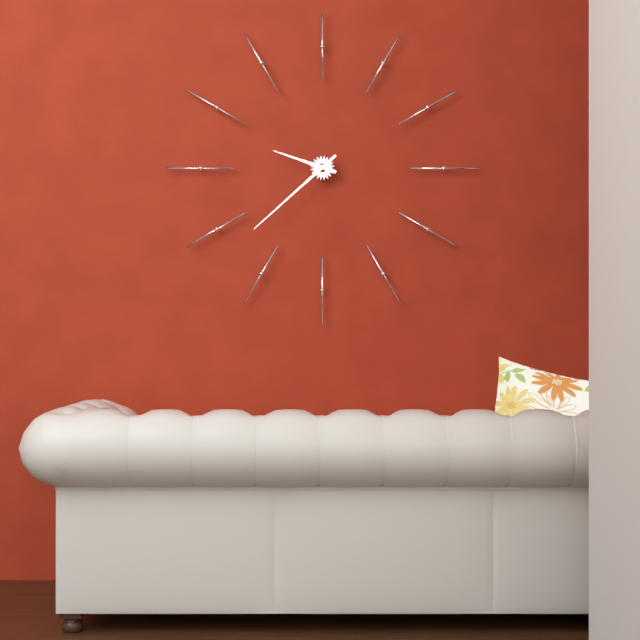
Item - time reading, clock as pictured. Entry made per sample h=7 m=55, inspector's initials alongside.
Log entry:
h=9 m=38
